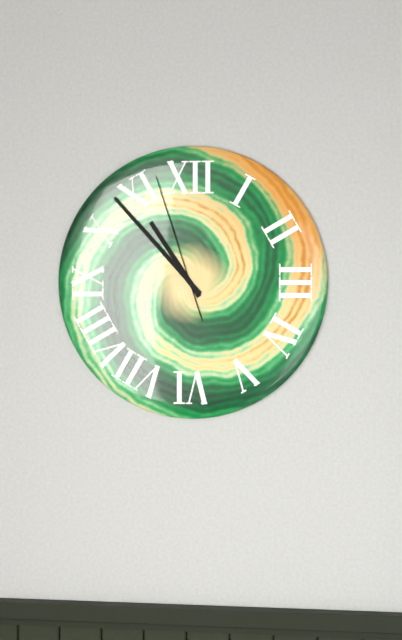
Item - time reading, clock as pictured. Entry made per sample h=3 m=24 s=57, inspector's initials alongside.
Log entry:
h=10 m=53 s=57
